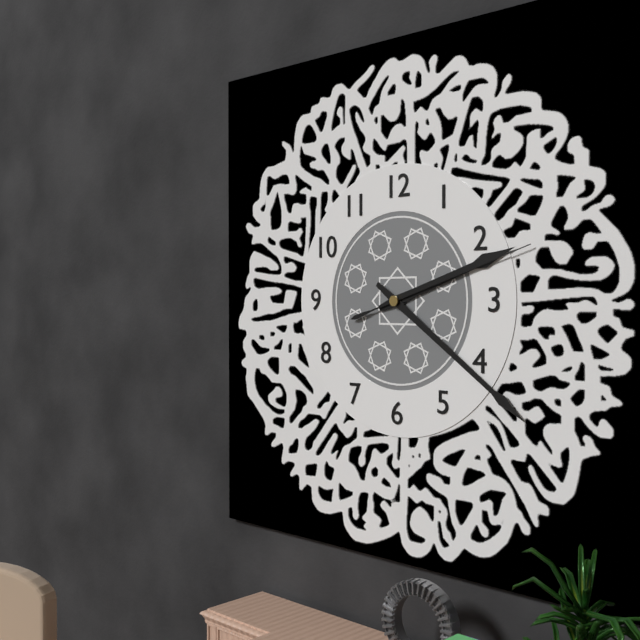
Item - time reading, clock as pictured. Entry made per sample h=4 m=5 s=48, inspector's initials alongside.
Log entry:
h=2 m=21 s=12
